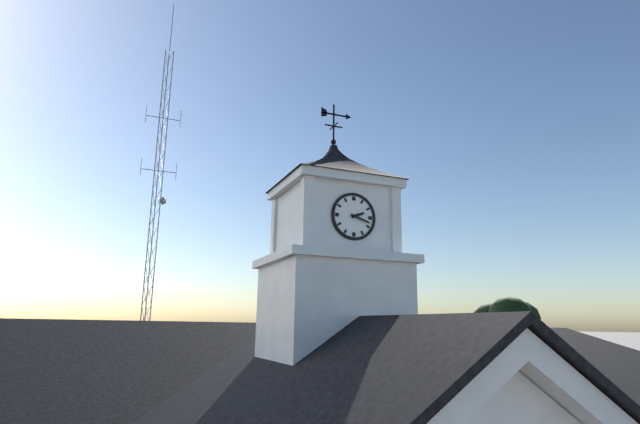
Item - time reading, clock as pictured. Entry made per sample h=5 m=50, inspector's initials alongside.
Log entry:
h=2 m=18
